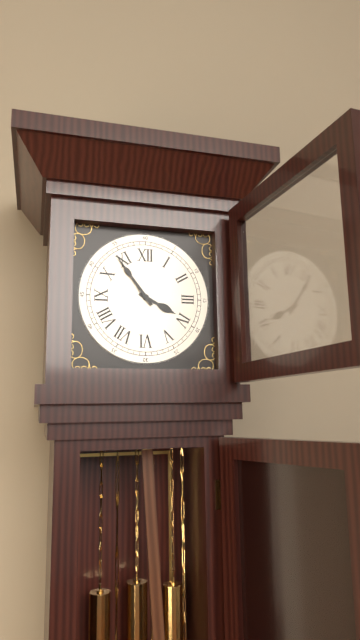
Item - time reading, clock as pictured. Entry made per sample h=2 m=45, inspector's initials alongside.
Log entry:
h=3 m=54
